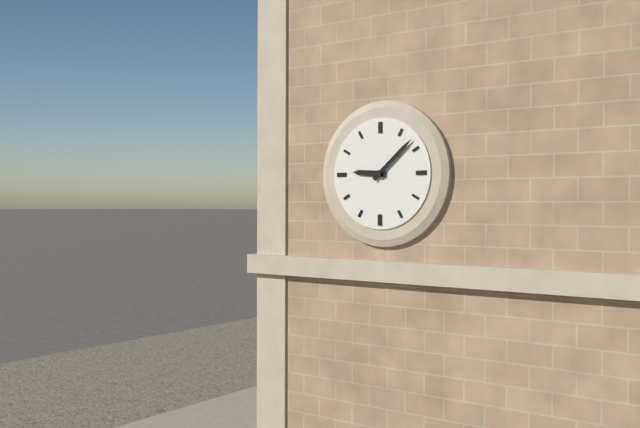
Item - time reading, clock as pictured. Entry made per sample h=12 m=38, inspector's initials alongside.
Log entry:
h=9 m=8
